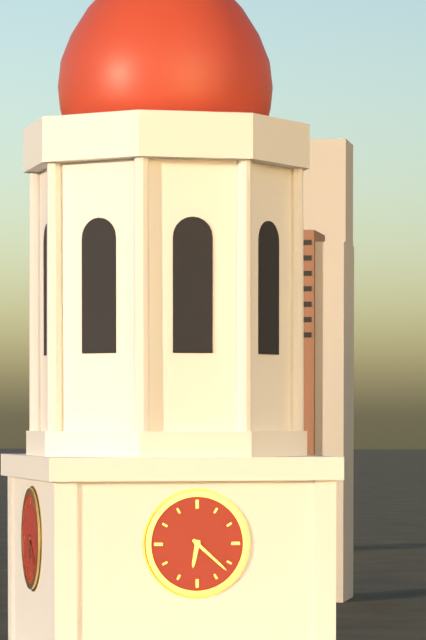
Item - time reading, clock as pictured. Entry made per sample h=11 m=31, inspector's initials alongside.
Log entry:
h=6 m=22
